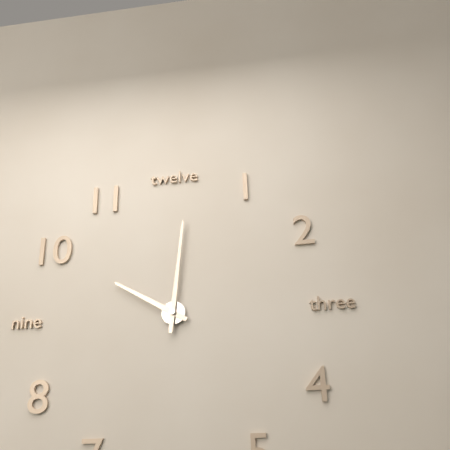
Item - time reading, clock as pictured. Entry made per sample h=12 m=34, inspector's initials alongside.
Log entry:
h=10 m=1
